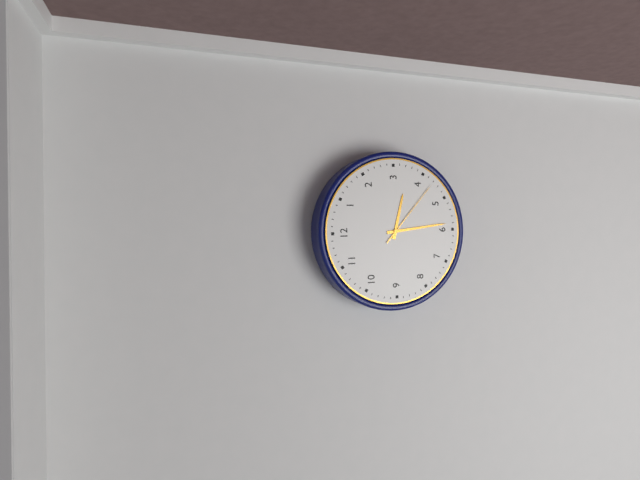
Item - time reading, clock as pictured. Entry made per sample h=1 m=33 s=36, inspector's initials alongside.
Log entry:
h=3 m=29 s=22
